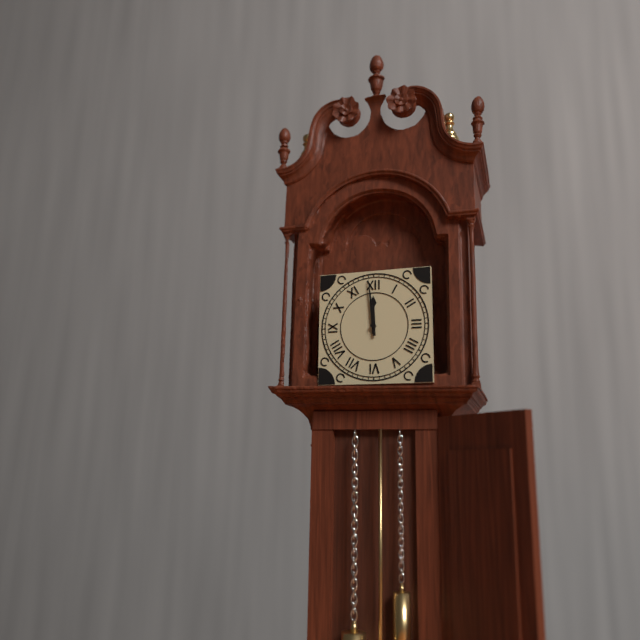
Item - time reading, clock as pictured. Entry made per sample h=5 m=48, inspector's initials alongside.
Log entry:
h=11 m=59
